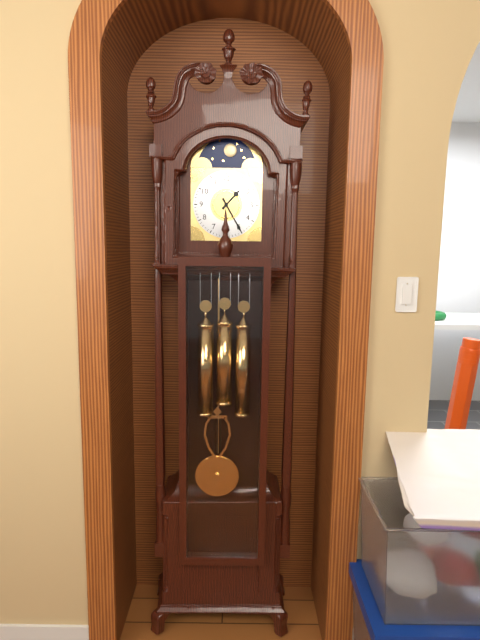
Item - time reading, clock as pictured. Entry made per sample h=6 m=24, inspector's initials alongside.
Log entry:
h=1 m=25
